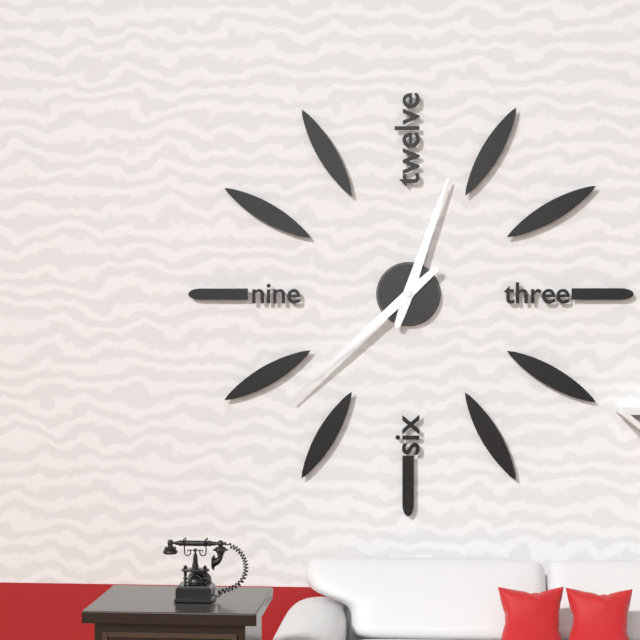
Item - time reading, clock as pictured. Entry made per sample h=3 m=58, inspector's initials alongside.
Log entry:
h=12 m=38
